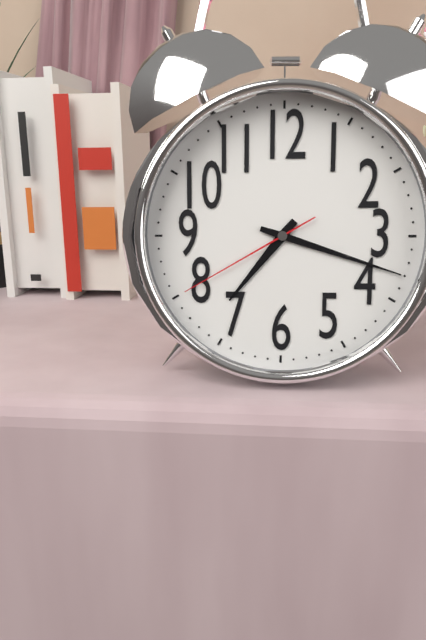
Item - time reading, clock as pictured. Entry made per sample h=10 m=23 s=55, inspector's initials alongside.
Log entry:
h=7 m=18 s=40
